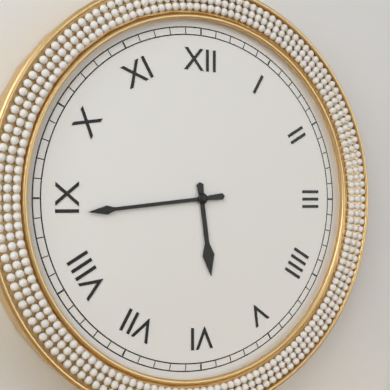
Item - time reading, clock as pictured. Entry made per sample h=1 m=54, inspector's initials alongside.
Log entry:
h=5 m=44
